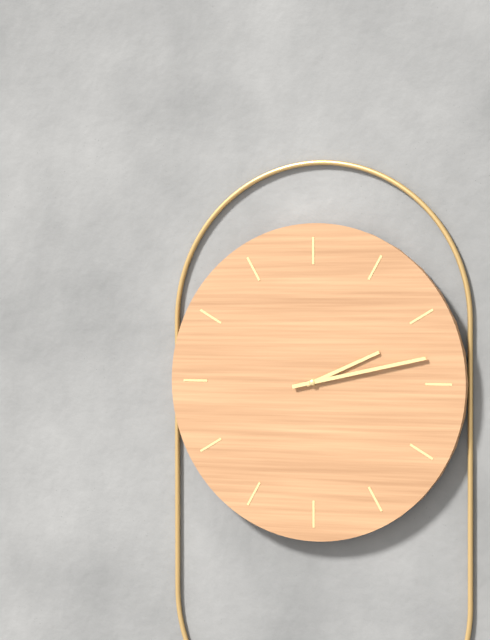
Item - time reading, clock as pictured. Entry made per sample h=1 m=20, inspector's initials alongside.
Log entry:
h=2 m=13
